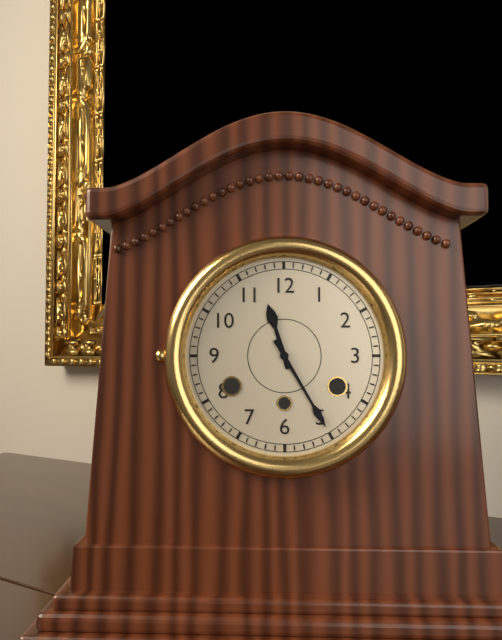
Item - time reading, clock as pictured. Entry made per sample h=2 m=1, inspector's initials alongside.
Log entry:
h=11 m=25
